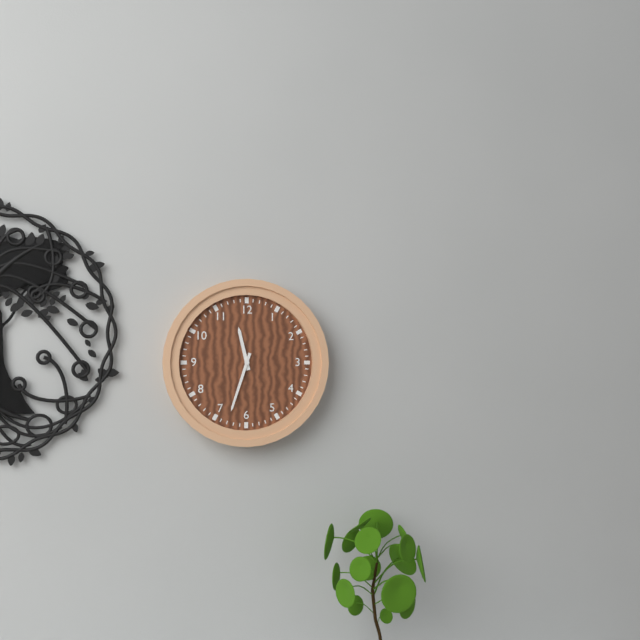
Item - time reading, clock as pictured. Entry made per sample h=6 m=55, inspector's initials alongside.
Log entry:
h=11 m=33
